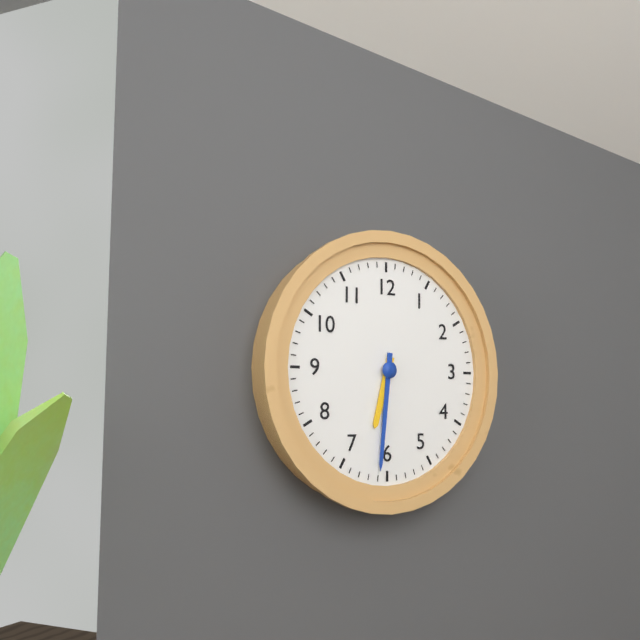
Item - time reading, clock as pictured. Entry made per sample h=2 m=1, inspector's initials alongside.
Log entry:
h=6 m=31
